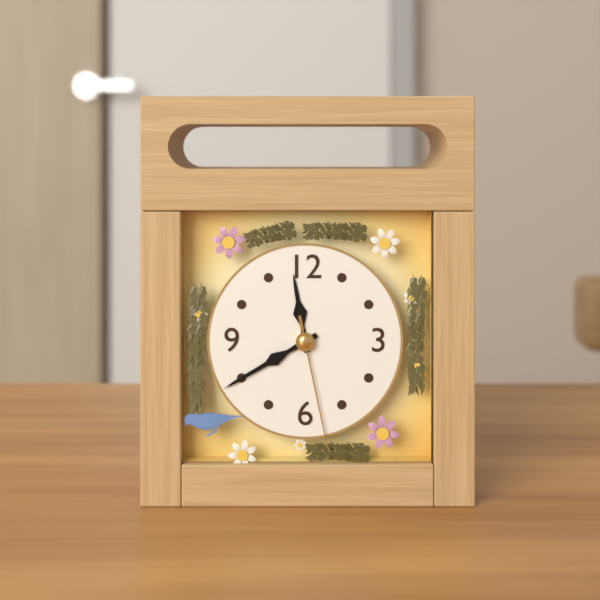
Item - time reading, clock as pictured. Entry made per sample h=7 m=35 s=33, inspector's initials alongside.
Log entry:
h=11 m=40 s=28
